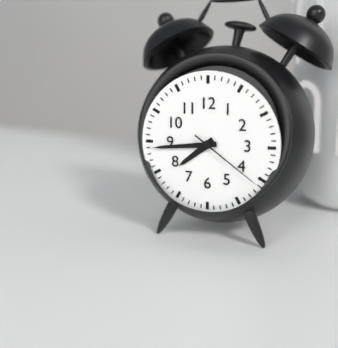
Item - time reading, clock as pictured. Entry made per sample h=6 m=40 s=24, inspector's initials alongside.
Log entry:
h=7 m=44 s=21
